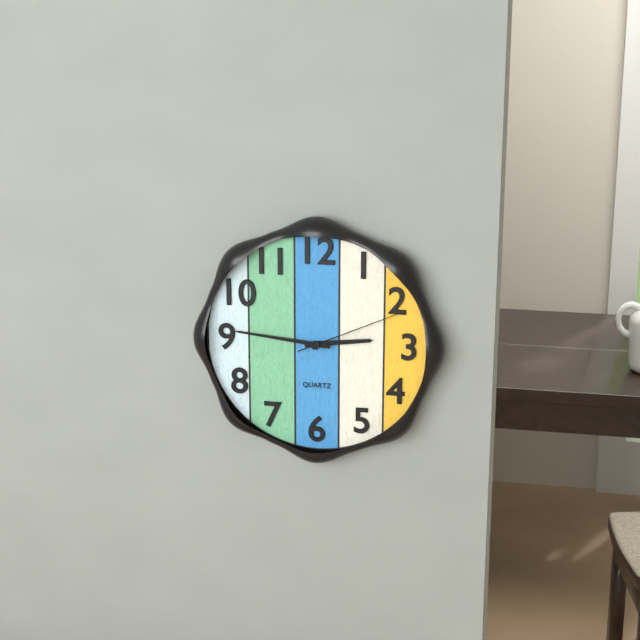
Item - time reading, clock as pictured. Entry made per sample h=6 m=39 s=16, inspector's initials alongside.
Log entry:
h=2 m=46 s=11
